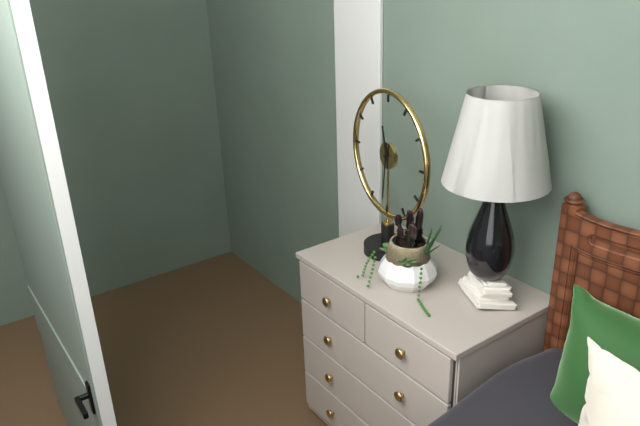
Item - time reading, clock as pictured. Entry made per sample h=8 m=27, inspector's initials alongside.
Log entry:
h=11 m=31
